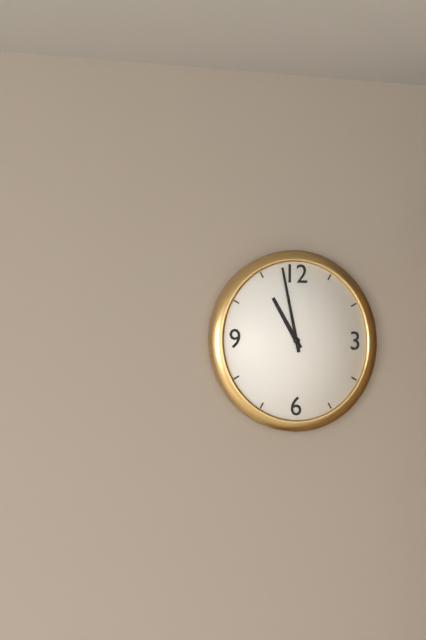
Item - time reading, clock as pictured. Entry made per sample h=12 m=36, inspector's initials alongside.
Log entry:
h=10 m=58
